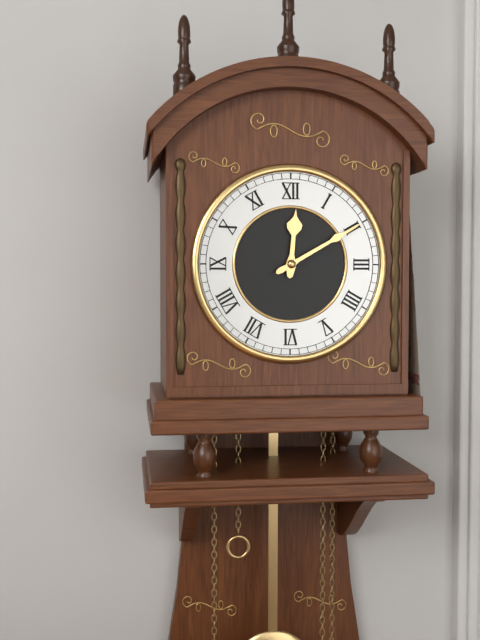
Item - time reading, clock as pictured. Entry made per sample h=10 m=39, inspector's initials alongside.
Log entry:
h=12 m=10
